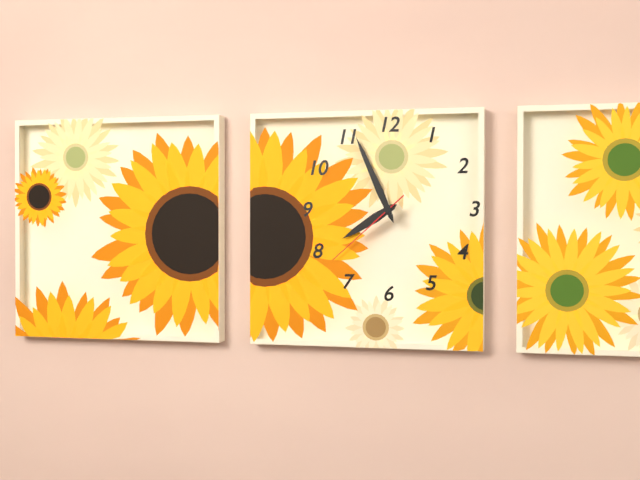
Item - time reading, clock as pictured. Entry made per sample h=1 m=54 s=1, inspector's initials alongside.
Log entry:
h=7 m=56 s=38
